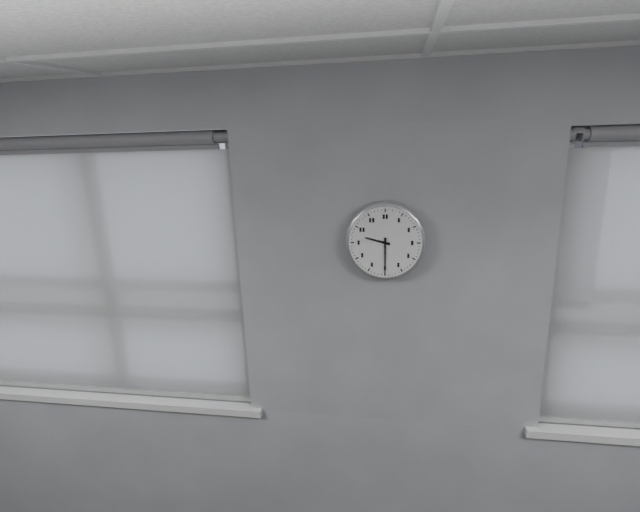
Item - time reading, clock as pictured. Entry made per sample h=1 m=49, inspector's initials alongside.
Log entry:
h=9 m=30
